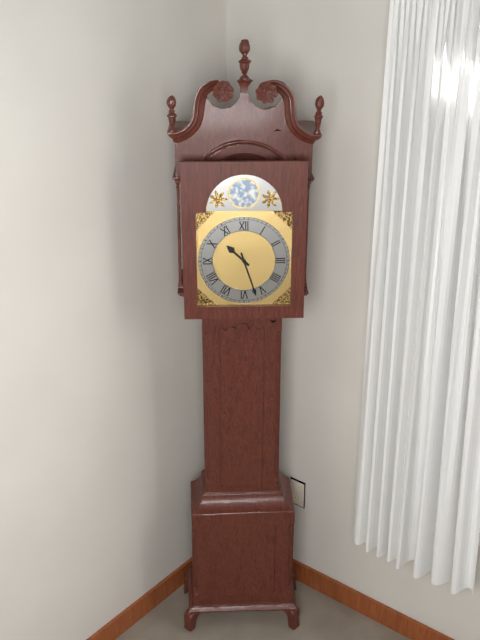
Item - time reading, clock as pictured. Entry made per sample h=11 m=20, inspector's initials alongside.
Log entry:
h=10 m=27
